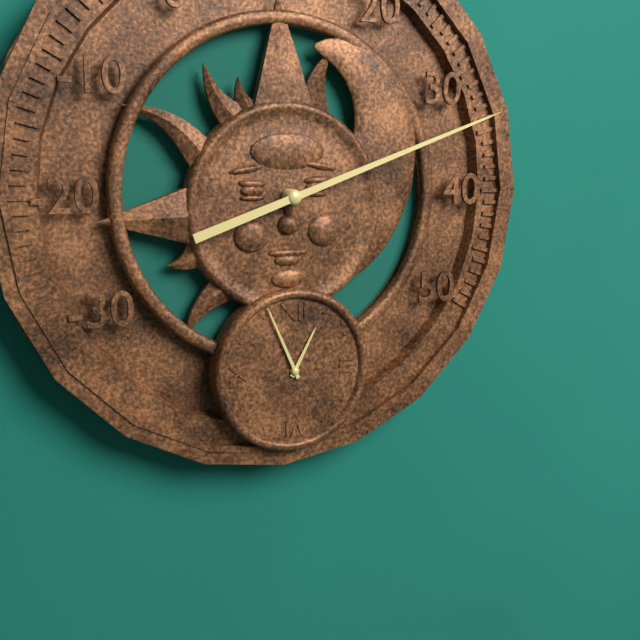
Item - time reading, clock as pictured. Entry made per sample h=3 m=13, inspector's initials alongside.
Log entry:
h=12 m=56
